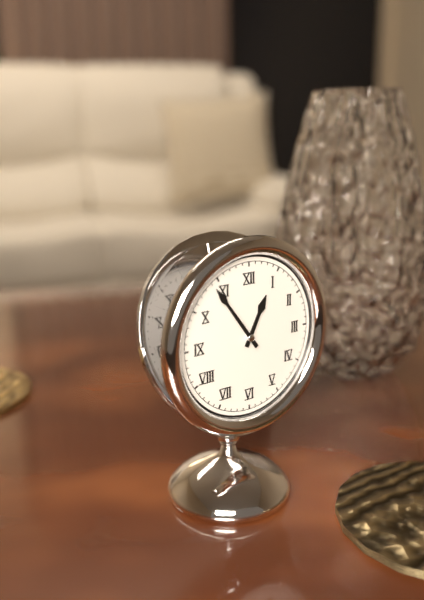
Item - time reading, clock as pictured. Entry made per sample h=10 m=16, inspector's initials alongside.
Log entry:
h=12 m=54
